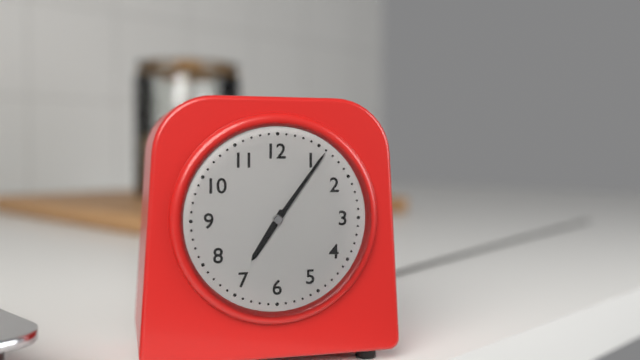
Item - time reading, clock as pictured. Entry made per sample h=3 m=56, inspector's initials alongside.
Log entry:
h=7 m=6
